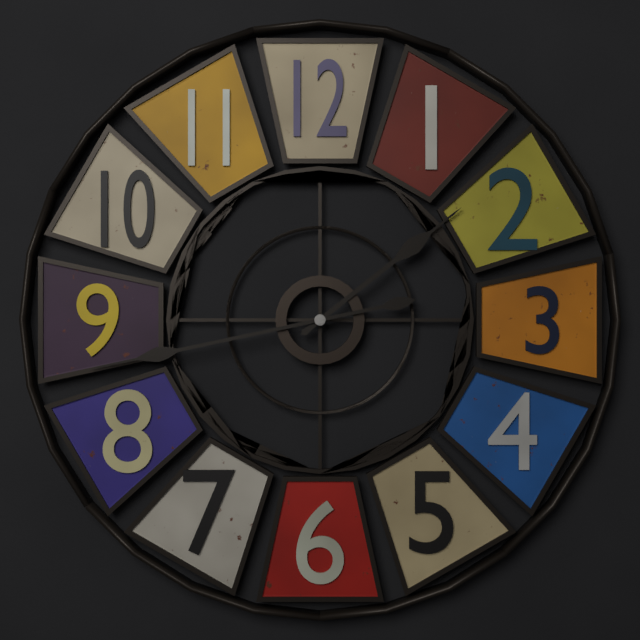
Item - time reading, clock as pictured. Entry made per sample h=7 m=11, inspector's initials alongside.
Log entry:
h=1 m=43
